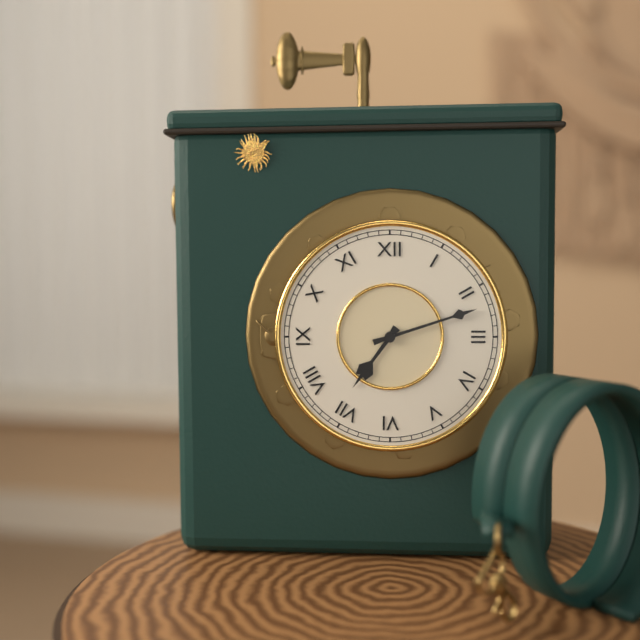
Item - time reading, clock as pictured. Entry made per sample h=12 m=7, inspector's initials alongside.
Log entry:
h=7 m=12
